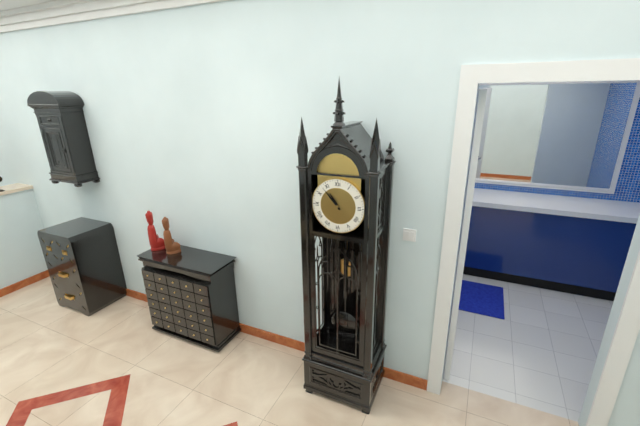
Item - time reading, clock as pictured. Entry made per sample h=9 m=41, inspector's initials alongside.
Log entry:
h=10 m=53
